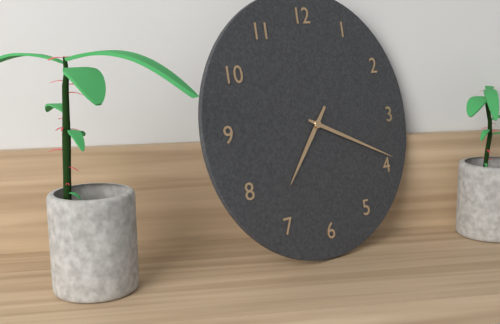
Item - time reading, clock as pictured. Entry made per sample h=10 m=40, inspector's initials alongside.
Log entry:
h=7 m=19
